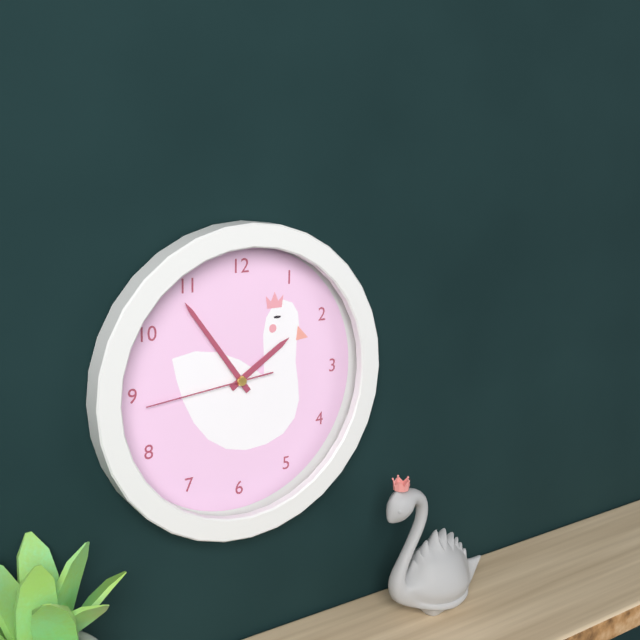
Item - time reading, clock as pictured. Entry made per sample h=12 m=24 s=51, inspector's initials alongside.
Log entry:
h=1 m=54 s=44
